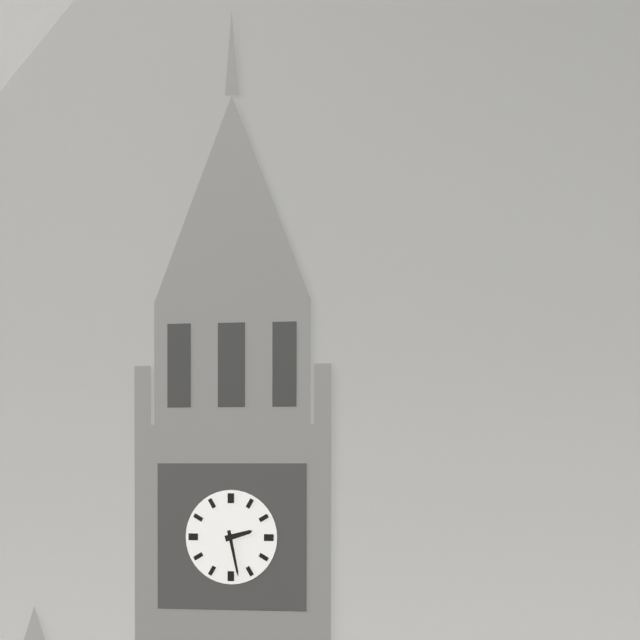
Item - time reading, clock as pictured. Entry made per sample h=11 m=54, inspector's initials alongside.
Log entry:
h=2 m=28
